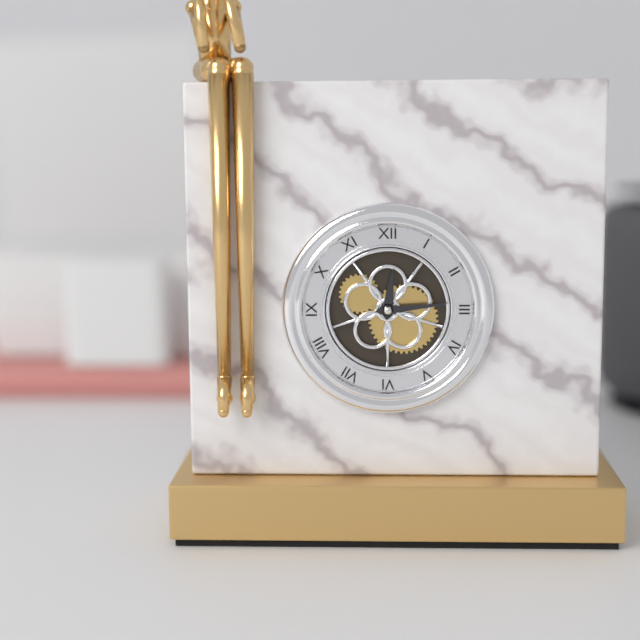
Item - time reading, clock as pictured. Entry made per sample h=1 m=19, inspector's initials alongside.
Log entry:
h=12 m=14
